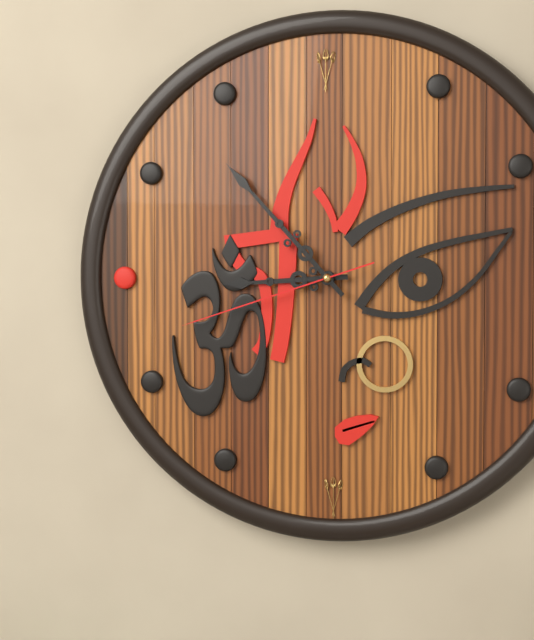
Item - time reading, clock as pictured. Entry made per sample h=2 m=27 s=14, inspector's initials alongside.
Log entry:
h=8 m=53 s=42
